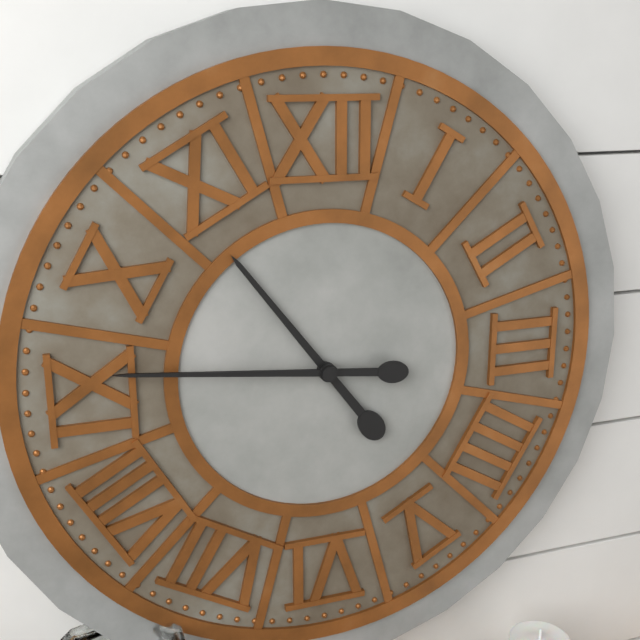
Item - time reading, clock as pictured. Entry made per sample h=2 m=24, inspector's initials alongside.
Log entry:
h=10 m=46
